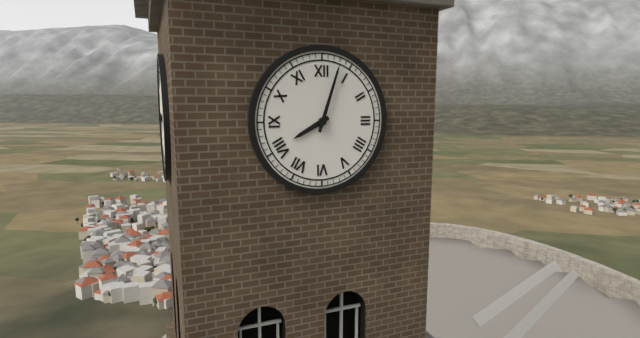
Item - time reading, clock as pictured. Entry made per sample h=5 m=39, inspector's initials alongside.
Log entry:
h=8 m=3
